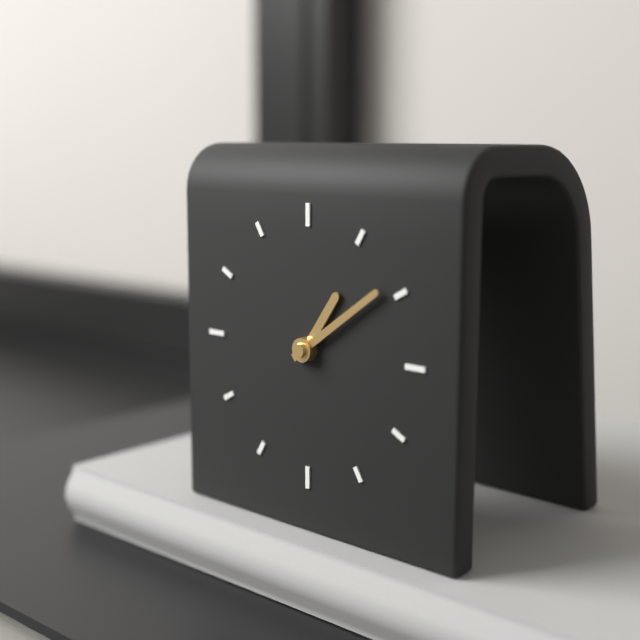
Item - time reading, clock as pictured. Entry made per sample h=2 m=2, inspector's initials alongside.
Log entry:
h=1 m=9
